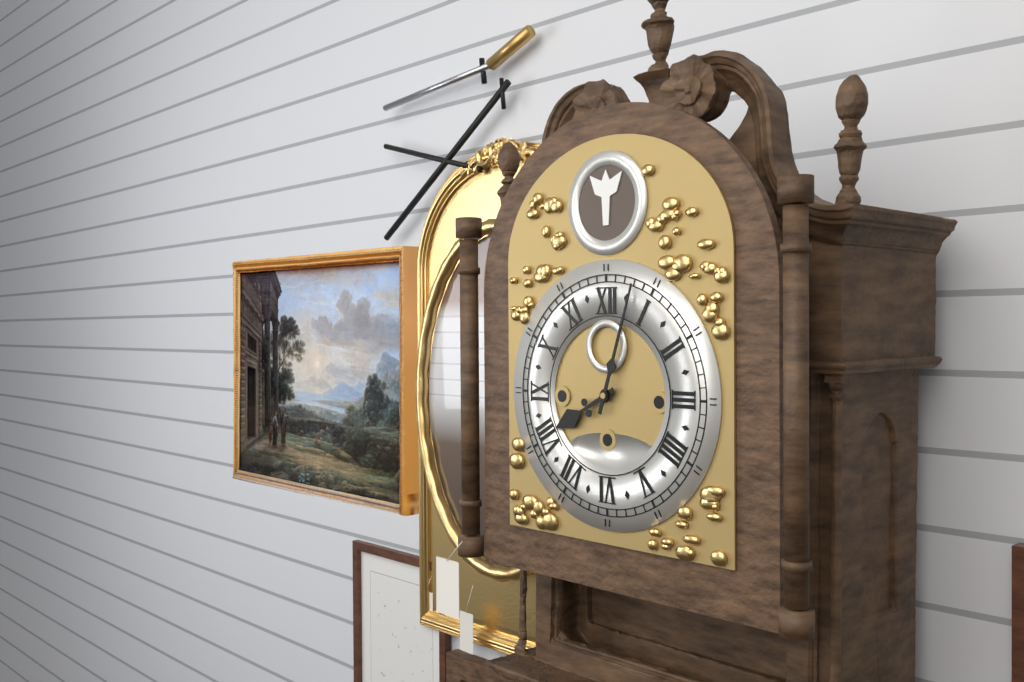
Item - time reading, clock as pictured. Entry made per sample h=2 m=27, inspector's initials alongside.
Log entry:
h=8 m=3
